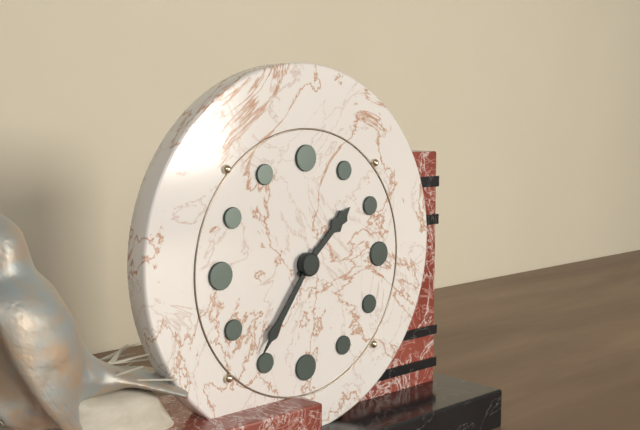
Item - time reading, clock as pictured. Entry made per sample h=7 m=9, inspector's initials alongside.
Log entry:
h=1 m=36
